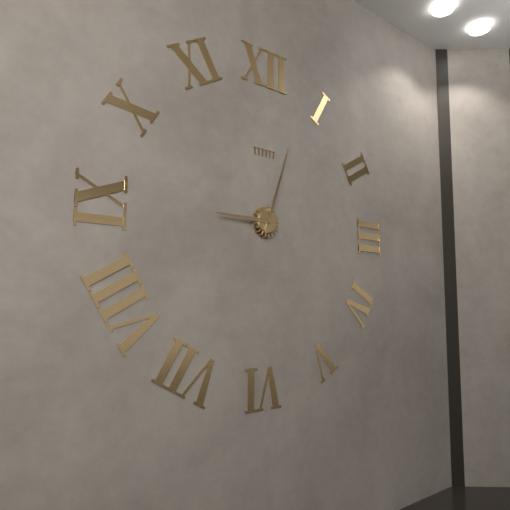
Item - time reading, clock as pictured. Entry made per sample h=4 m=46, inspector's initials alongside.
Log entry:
h=9 m=3
